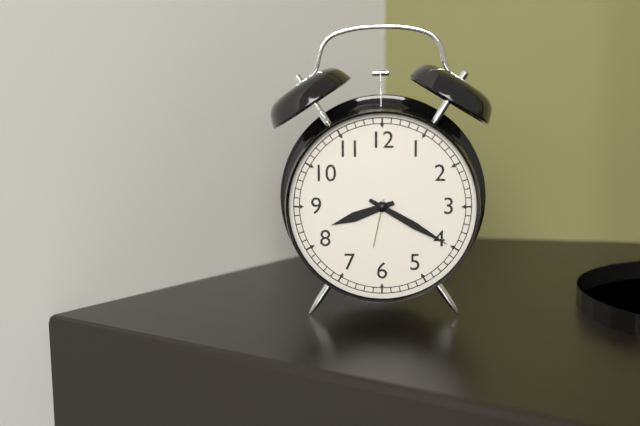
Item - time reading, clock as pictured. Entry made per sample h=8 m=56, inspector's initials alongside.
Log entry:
h=8 m=20
